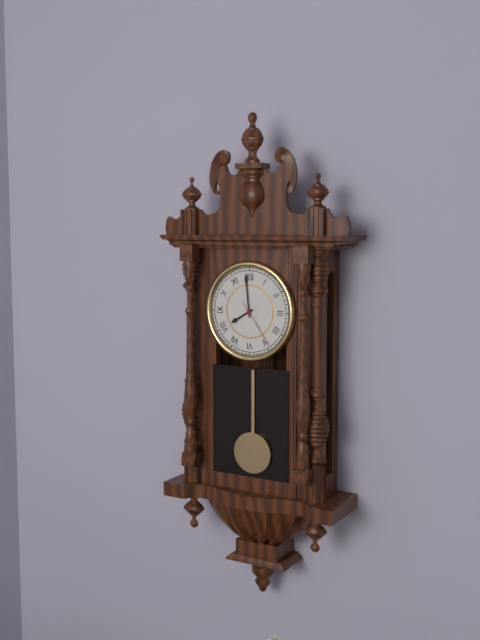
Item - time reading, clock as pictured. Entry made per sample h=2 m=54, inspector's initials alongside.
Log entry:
h=7 m=59
